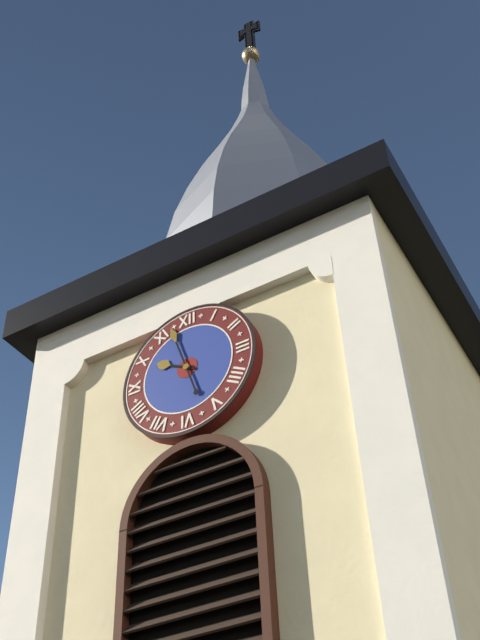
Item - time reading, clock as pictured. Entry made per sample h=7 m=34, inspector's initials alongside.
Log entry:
h=9 m=57
